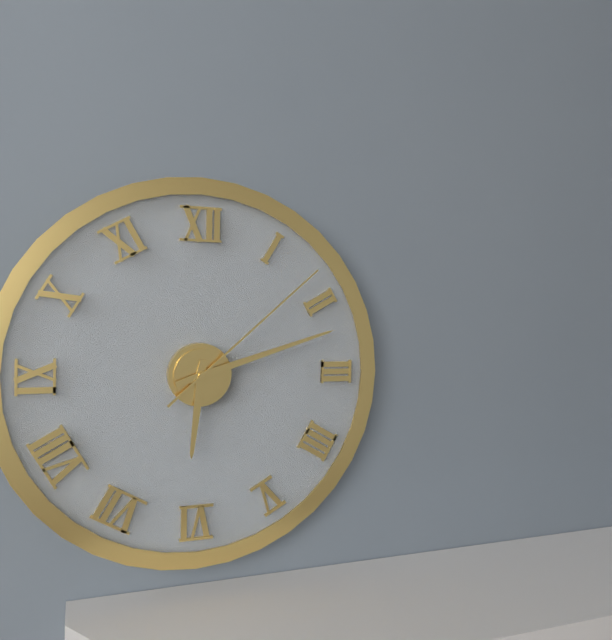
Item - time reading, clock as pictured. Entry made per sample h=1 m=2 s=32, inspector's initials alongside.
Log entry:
h=6 m=12 s=8
